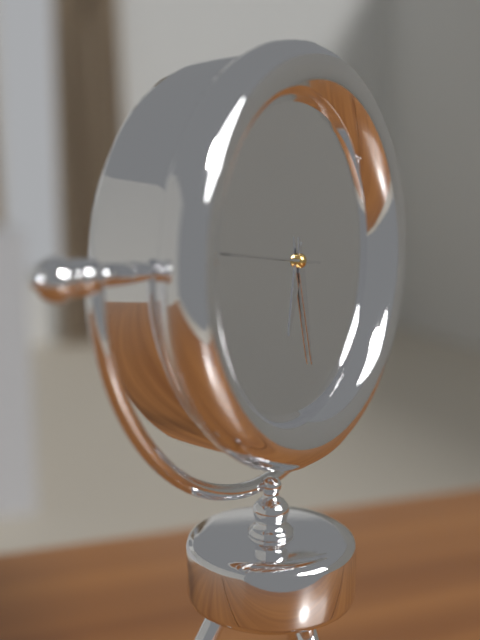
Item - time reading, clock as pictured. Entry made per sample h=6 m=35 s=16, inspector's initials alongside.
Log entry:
h=6 m=28 s=46
